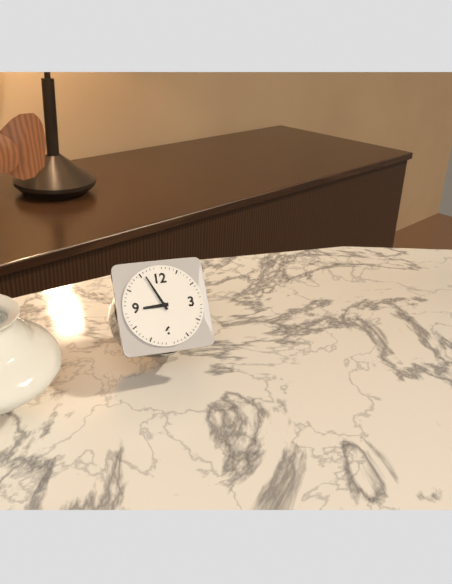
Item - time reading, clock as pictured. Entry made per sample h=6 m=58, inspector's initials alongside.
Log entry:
h=8 m=56
